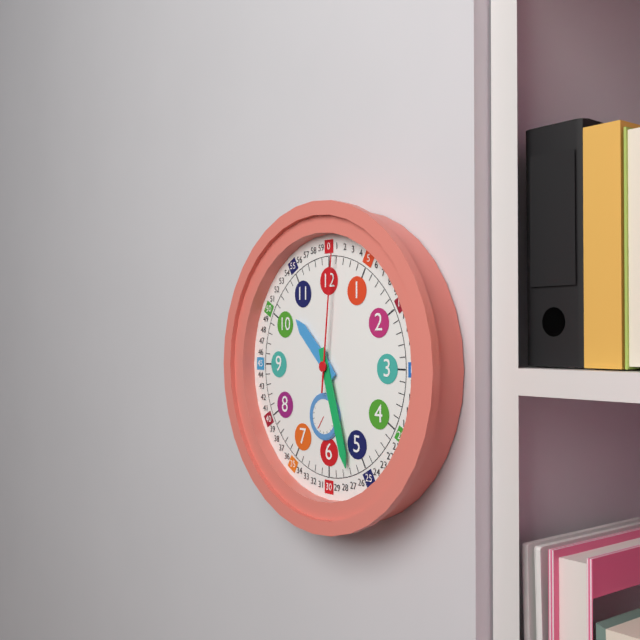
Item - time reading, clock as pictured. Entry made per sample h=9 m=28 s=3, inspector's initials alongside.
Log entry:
h=10 m=27 s=1
